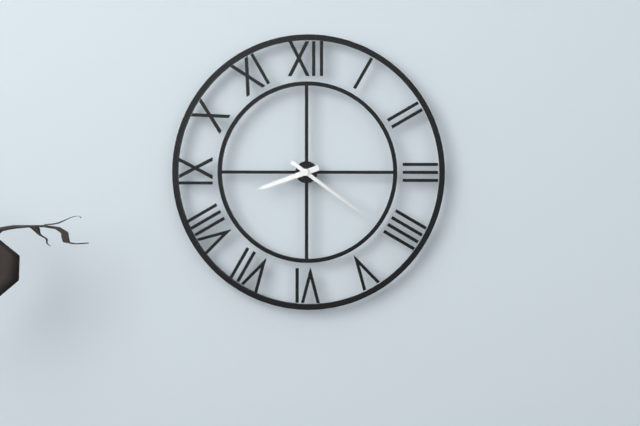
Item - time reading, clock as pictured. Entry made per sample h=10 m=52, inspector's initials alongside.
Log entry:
h=8 m=21
